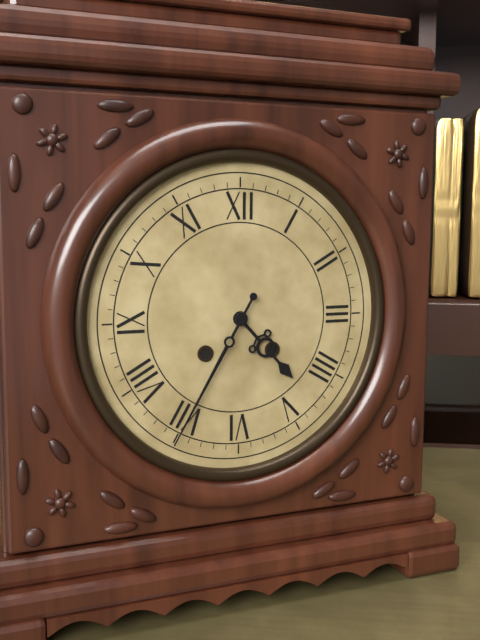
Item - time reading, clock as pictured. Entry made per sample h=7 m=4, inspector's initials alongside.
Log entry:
h=4 m=35
